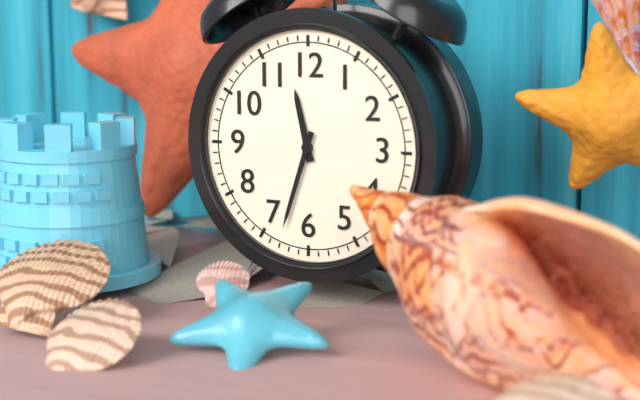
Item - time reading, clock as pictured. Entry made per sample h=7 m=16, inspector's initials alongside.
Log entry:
h=11 m=33
